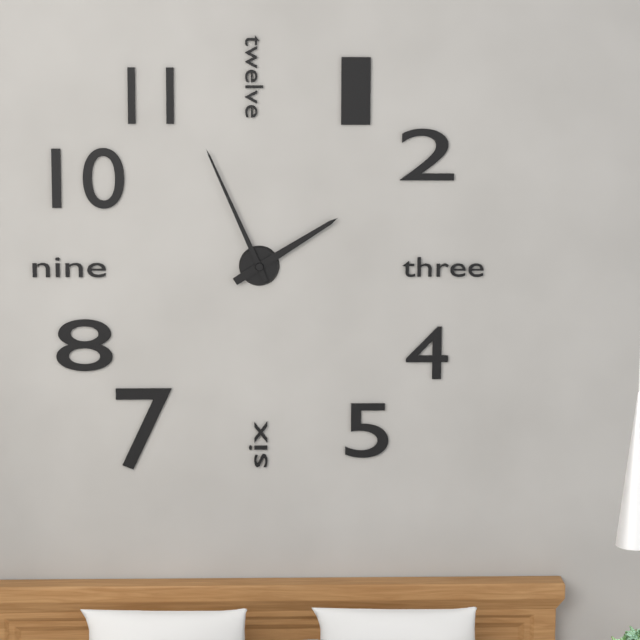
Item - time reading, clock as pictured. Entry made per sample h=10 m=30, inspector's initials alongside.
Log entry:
h=1 m=56
